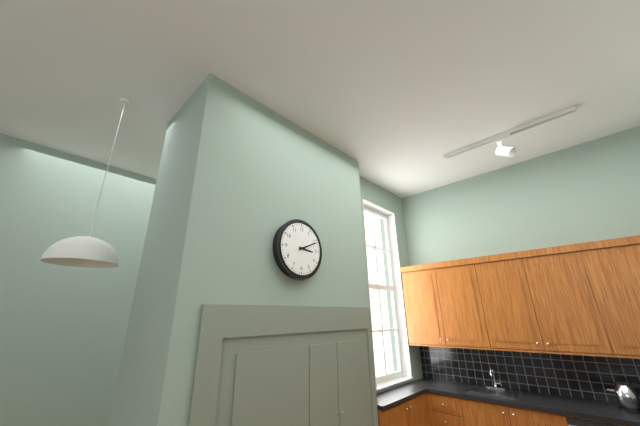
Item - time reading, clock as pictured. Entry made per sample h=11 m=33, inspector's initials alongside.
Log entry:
h=3 m=11
